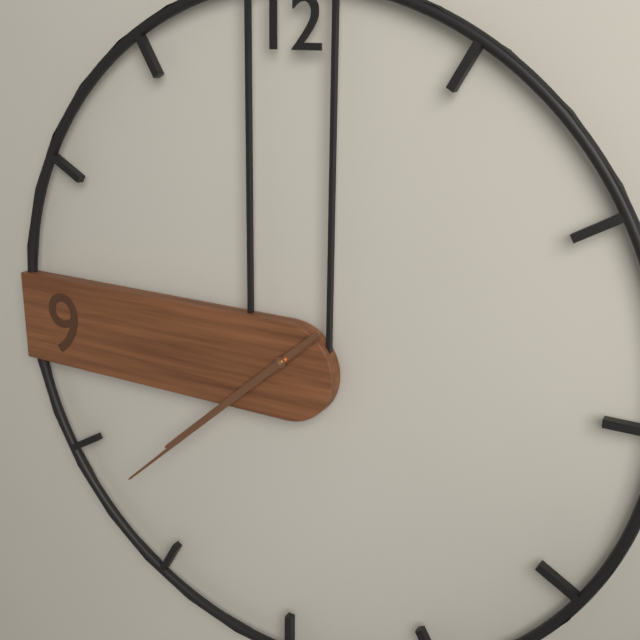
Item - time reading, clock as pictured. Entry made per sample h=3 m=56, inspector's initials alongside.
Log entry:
h=7 m=38
